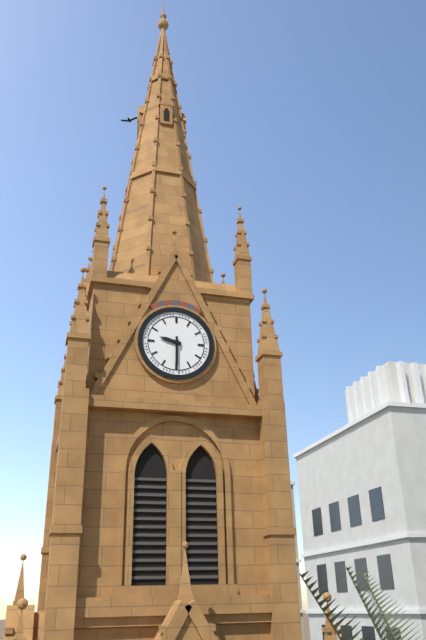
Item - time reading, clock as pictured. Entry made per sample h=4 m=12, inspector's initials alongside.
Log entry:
h=9 m=30
